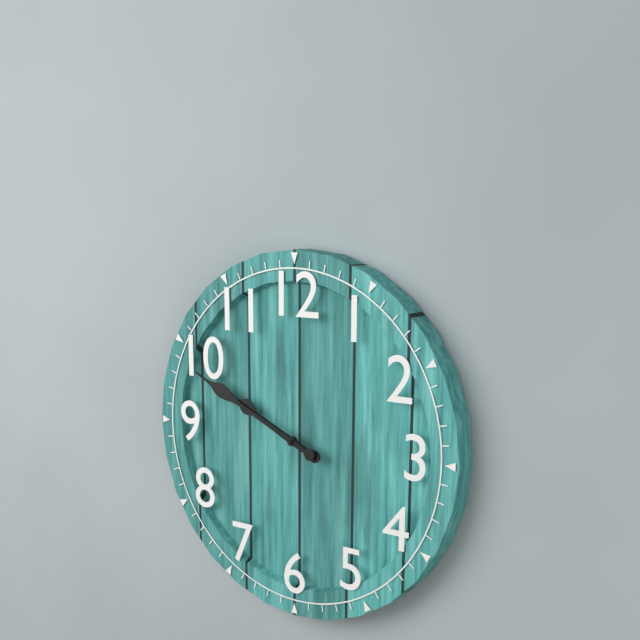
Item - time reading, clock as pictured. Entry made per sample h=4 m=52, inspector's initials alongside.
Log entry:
h=9 m=49
